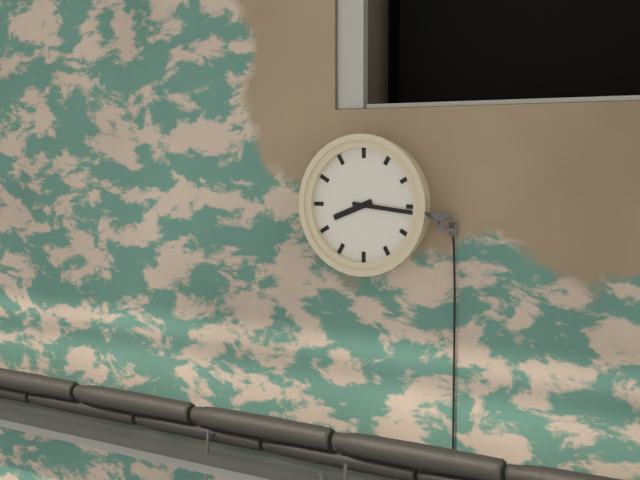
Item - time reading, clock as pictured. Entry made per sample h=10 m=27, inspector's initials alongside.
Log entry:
h=8 m=16
